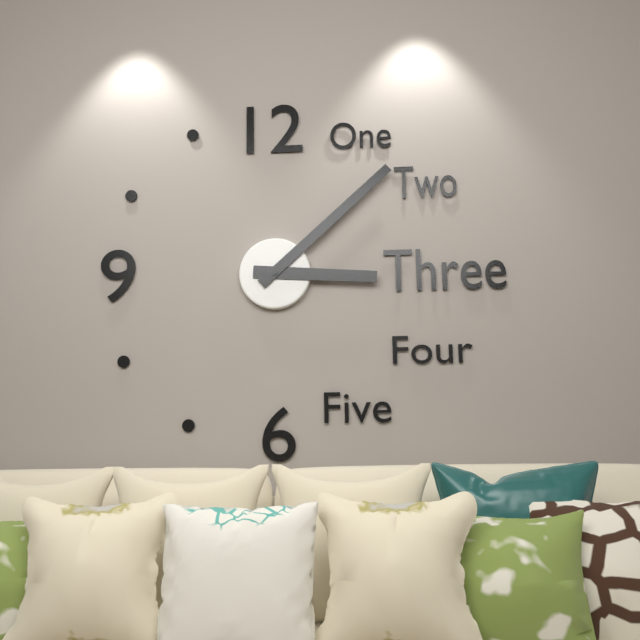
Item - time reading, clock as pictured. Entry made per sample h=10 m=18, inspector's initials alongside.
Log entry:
h=3 m=8
